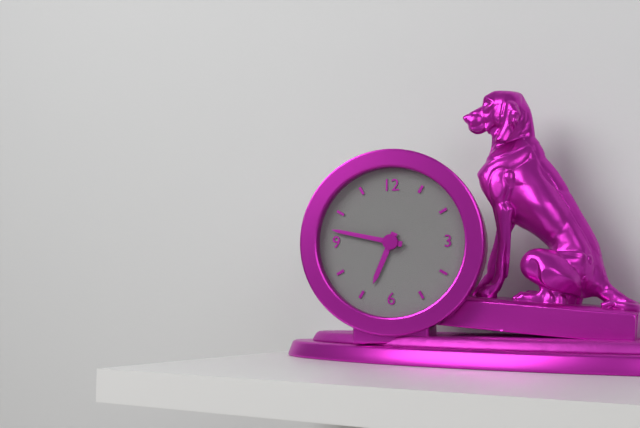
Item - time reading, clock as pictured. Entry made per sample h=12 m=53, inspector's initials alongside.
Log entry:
h=6 m=47
